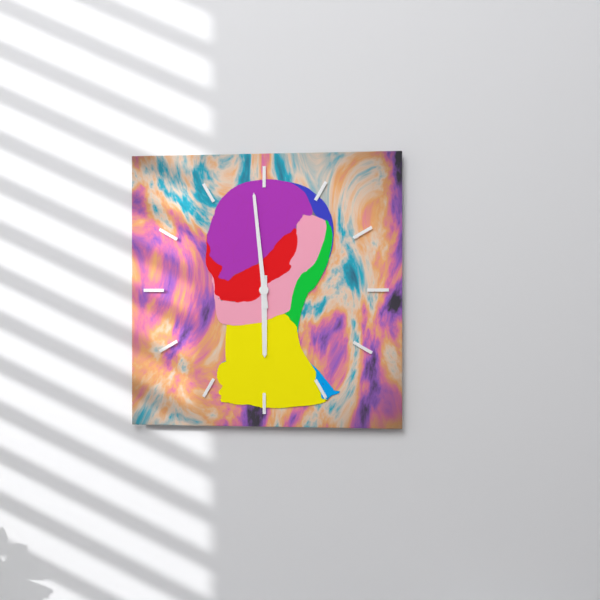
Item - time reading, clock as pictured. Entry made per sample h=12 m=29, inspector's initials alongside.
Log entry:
h=5 m=59
